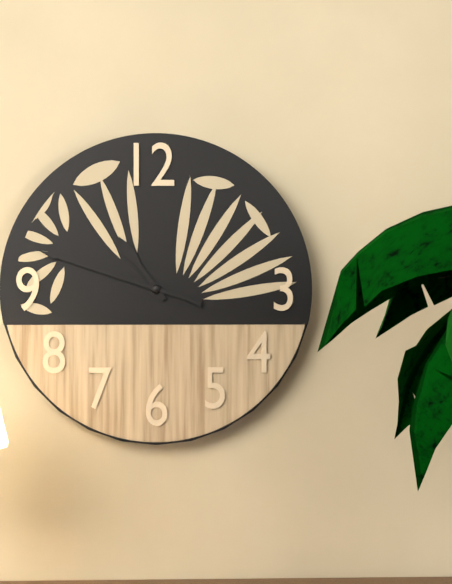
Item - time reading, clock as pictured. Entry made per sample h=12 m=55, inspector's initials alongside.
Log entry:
h=10 m=48
